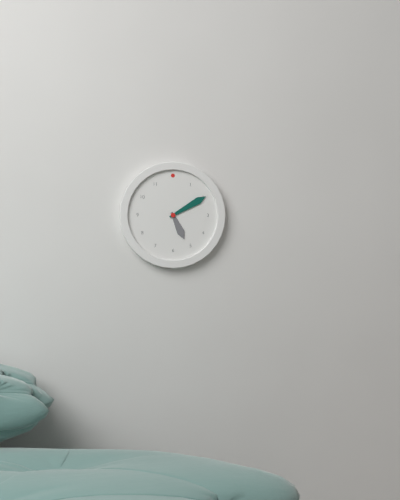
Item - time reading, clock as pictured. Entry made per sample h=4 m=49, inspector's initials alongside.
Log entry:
h=5 m=10
